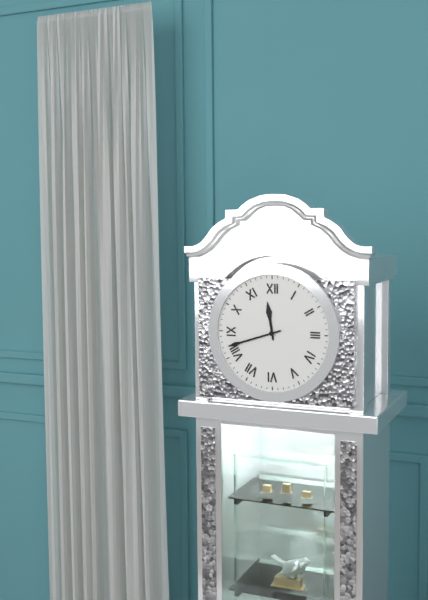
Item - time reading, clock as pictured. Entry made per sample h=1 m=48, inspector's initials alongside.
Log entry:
h=11 m=42
